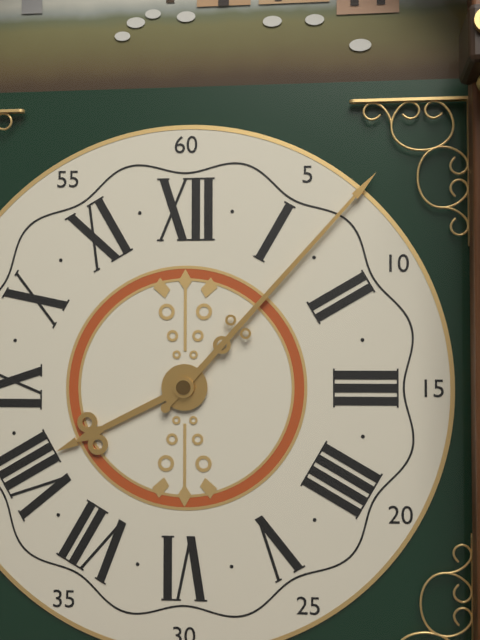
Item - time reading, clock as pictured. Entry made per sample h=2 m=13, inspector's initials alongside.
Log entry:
h=8 m=7
